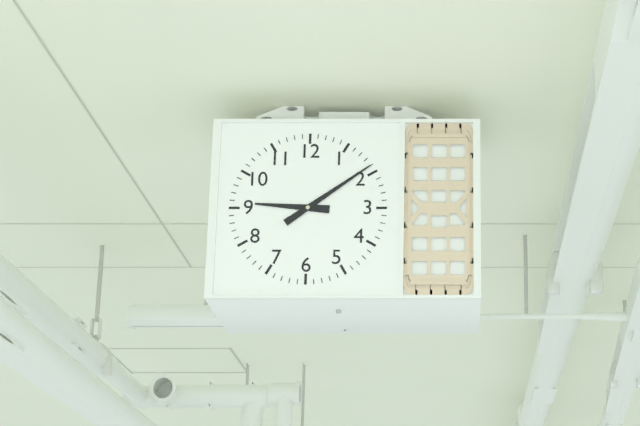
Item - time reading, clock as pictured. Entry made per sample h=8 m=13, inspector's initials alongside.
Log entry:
h=9 m=9
